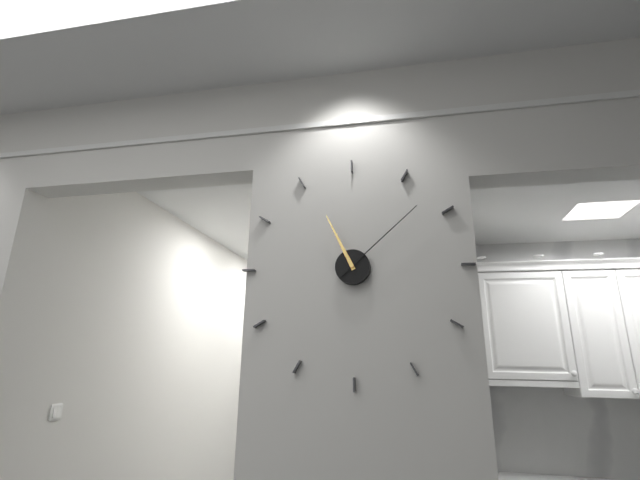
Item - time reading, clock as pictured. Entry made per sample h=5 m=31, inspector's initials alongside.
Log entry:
h=11 m=8
